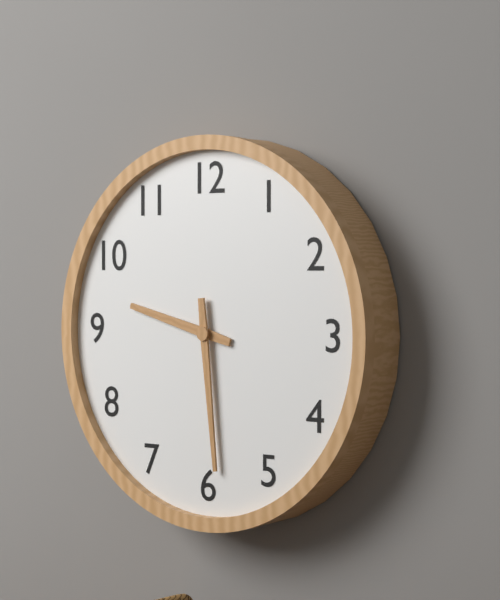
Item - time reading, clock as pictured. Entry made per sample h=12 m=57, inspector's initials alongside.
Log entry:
h=9 m=29
